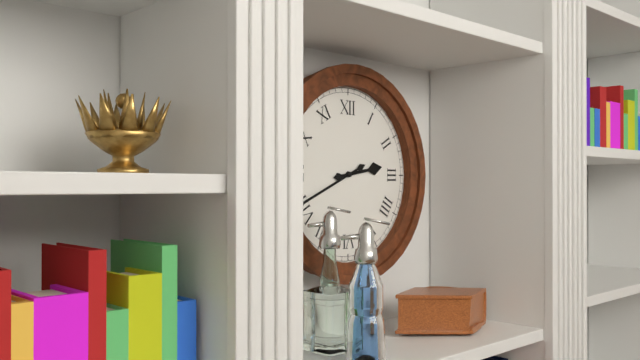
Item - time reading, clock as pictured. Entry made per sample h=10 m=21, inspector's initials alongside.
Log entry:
h=2 m=41
